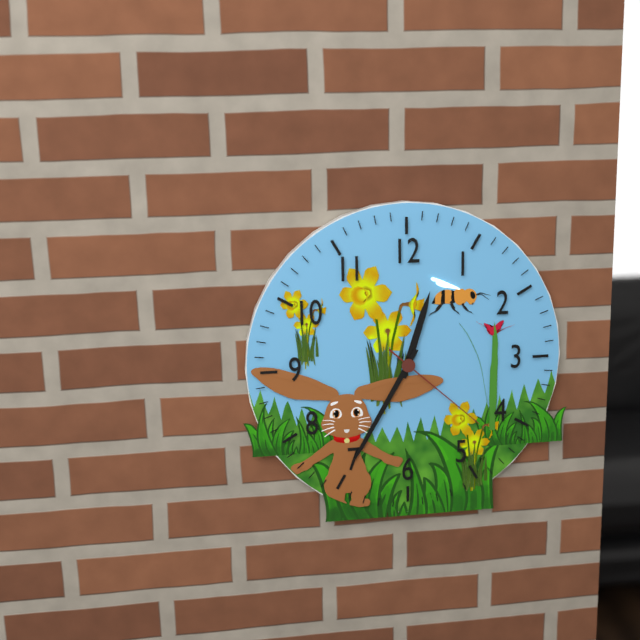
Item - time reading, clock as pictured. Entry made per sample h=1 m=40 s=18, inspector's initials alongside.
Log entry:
h=12 m=35 s=22
